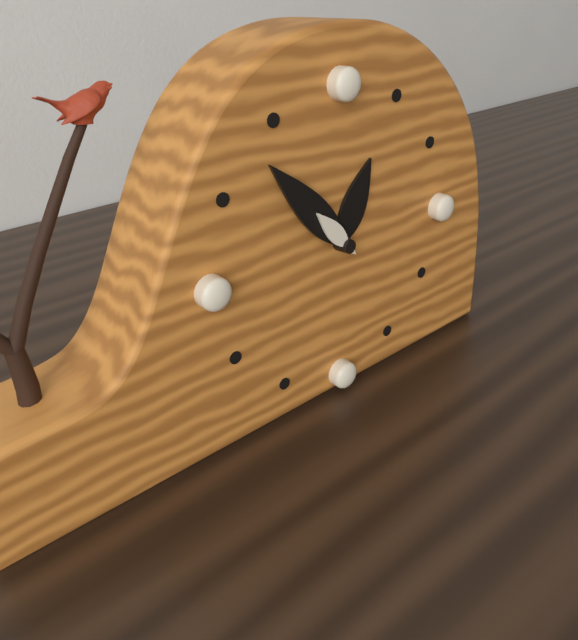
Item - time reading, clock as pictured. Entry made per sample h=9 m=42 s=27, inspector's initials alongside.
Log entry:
h=12 m=53 s=53
